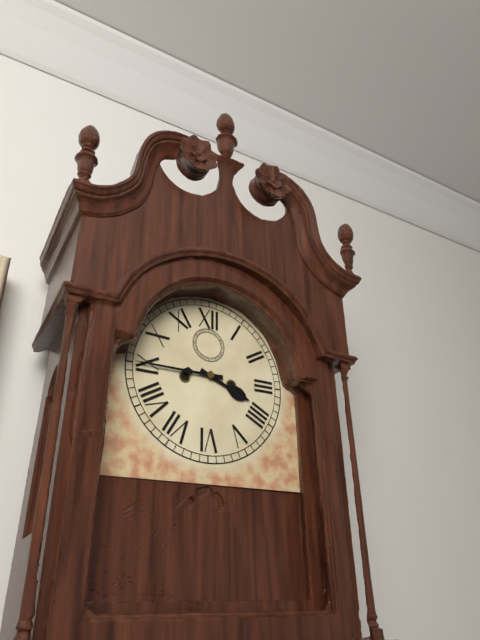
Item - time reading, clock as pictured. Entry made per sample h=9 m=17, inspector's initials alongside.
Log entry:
h=3 m=45
